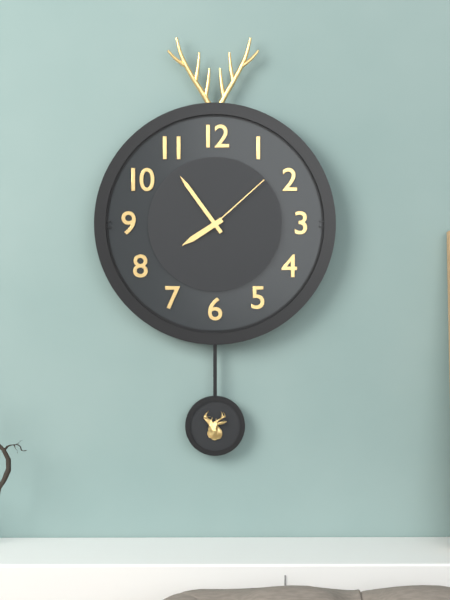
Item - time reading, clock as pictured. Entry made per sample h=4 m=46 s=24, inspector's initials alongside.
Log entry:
h=7 m=54 s=8
